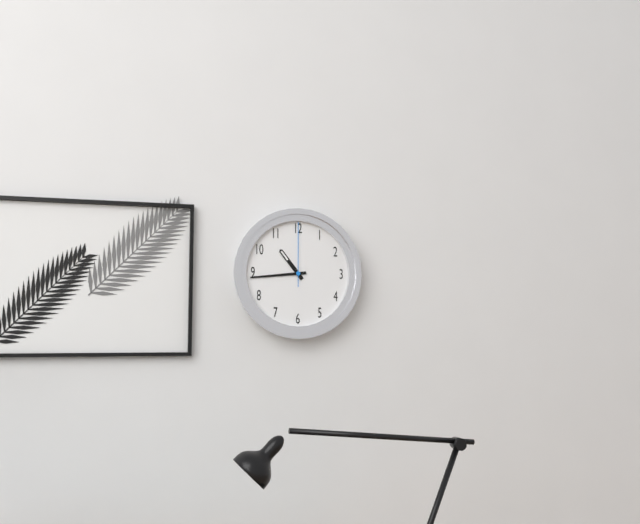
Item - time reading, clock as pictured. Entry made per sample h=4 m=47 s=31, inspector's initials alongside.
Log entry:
h=10 m=44 s=0
